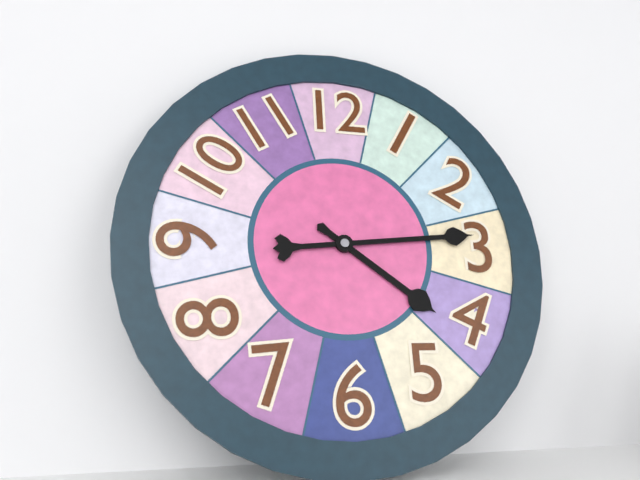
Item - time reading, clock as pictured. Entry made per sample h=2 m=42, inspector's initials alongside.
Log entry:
h=4 m=14
